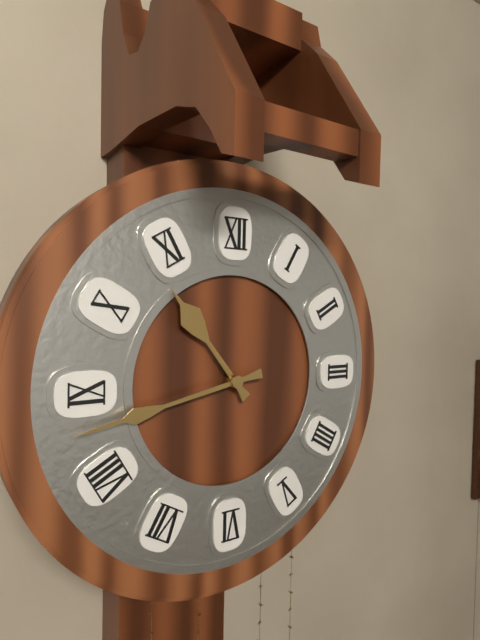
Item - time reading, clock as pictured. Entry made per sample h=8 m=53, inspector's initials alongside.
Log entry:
h=10 m=43
